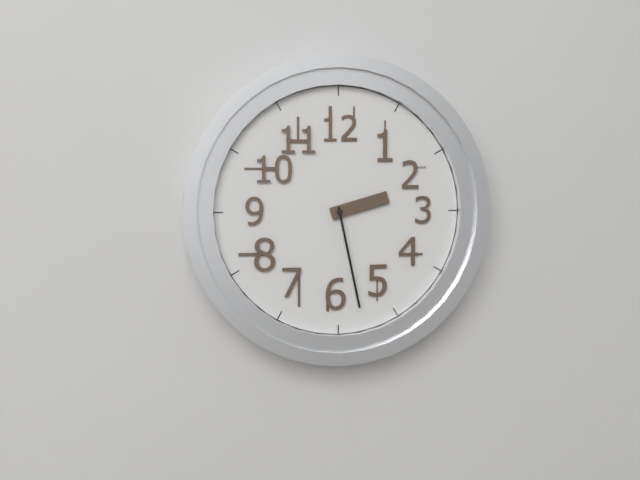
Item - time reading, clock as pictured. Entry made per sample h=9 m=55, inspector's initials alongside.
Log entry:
h=2 m=28
